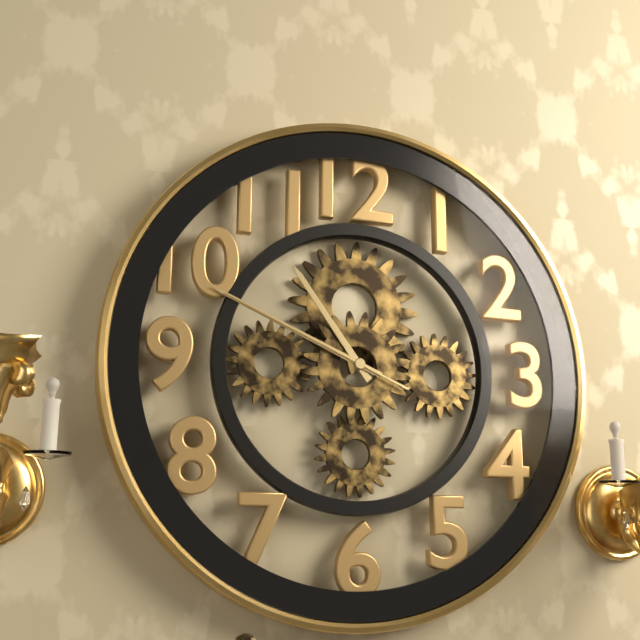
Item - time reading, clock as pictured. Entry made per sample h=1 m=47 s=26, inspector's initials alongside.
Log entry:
h=10 m=49 s=49
